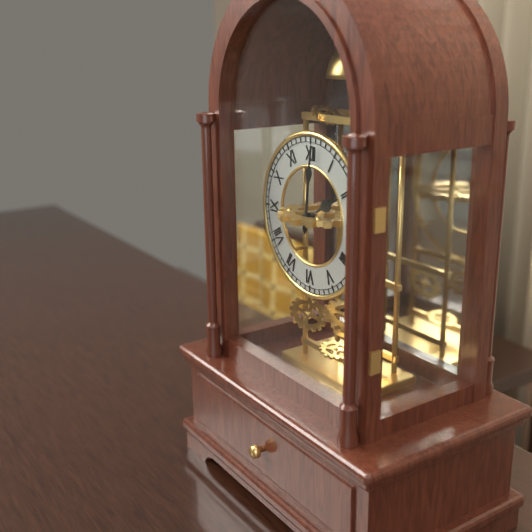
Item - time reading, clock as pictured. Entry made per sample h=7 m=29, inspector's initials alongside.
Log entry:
h=2 m=1
